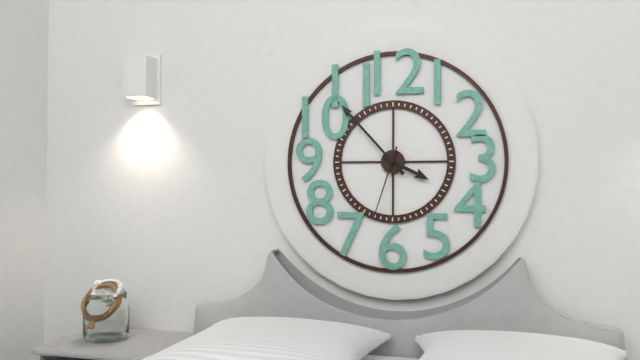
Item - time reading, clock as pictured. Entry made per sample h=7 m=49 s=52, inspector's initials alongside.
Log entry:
h=3 m=53 s=33
